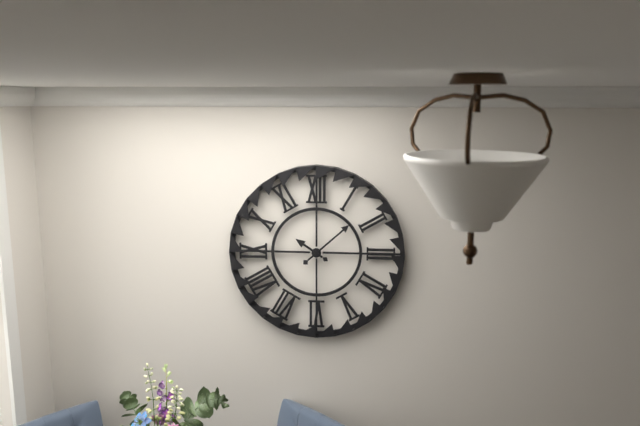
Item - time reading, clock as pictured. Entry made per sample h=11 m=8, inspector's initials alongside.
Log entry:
h=10 m=8
